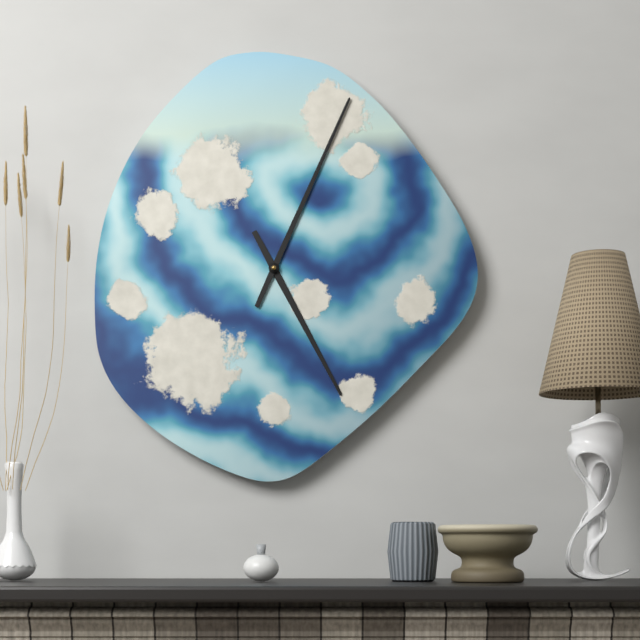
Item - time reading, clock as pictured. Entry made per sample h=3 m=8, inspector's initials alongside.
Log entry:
h=5 m=4
